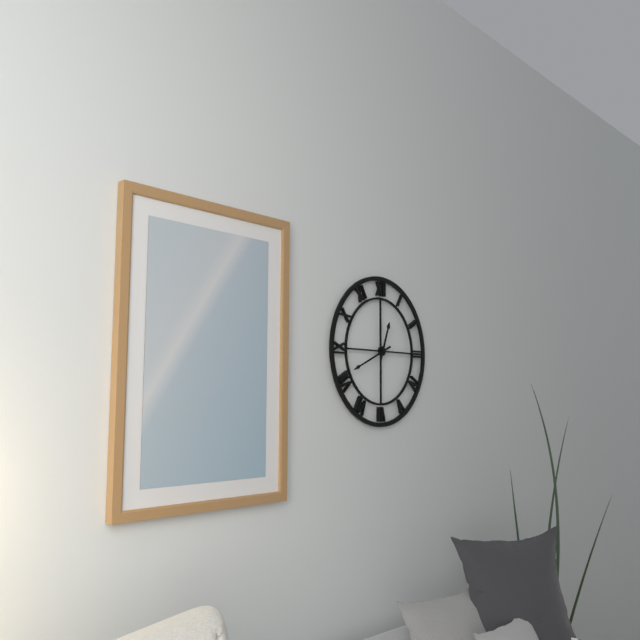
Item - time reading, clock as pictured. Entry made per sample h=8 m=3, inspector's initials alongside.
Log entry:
h=12 m=41
